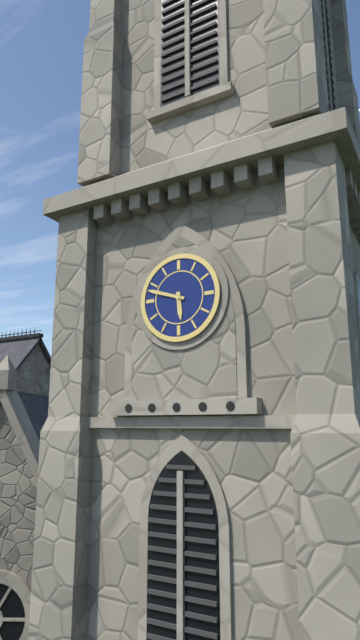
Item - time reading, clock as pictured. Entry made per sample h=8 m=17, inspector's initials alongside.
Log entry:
h=5 m=48
